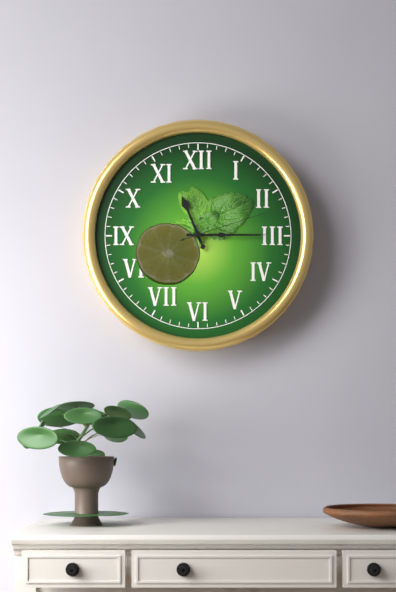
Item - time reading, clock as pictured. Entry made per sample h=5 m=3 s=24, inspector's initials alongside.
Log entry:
h=11 m=15 s=12
